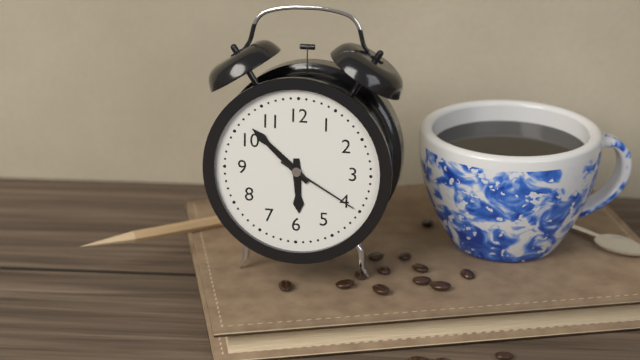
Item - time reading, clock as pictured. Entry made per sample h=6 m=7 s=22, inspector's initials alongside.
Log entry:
h=5 m=52 s=20
